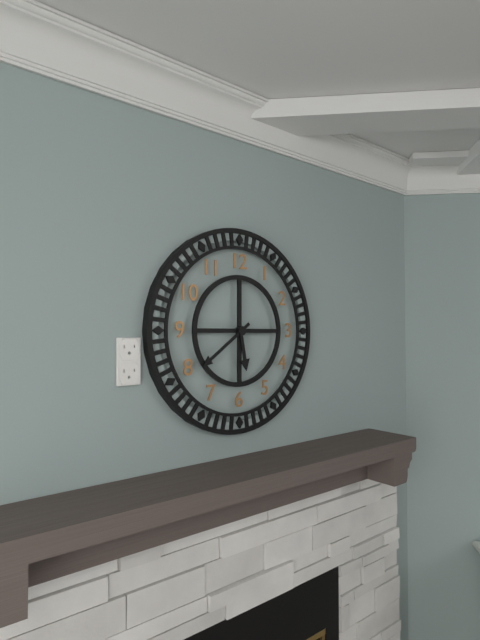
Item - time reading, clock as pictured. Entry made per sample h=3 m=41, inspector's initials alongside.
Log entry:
h=5 m=39
